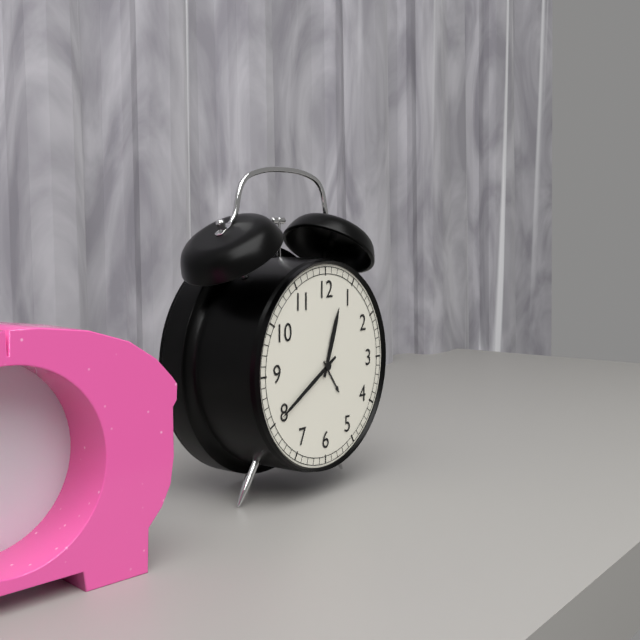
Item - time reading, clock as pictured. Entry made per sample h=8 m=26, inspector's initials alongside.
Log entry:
h=12 m=40
